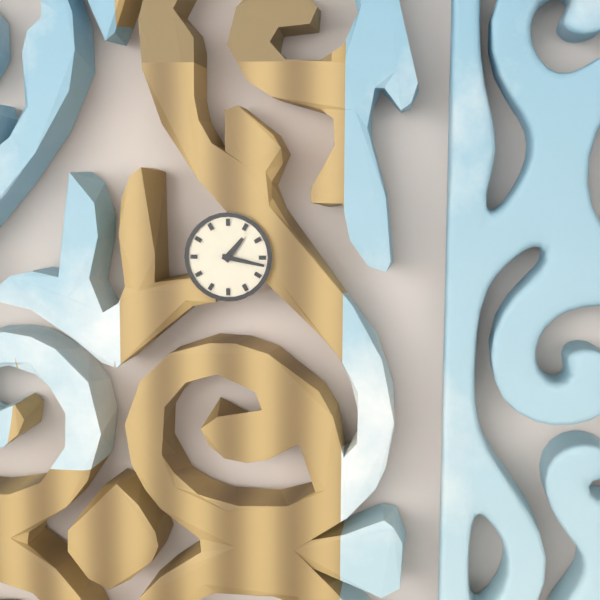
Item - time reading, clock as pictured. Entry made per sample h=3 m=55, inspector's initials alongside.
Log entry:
h=1 m=17
